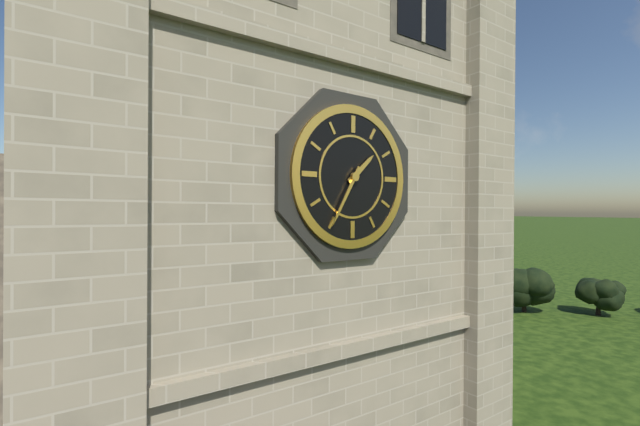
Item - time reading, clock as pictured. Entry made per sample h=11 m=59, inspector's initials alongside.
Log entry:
h=1 m=35
